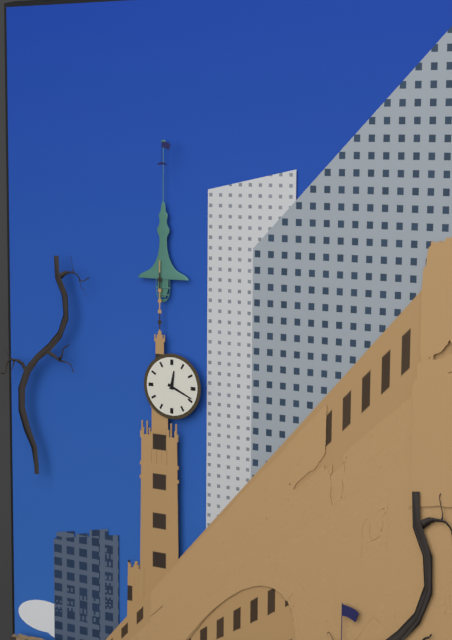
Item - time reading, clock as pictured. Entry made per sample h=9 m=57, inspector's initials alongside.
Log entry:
h=12 m=19
